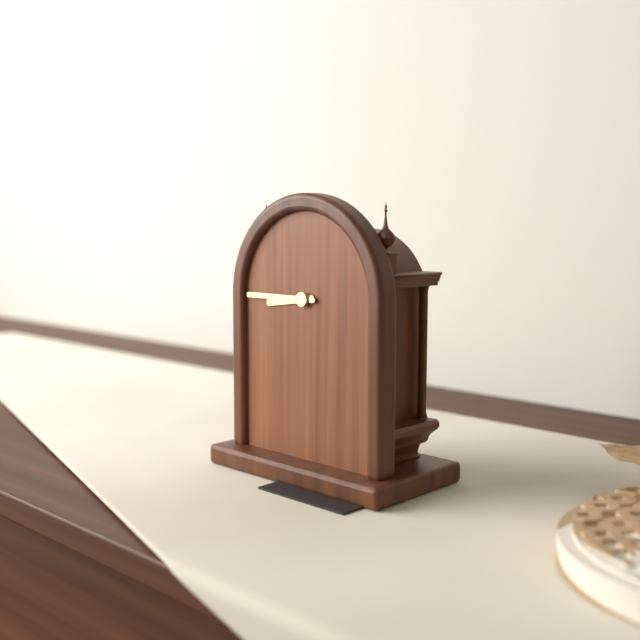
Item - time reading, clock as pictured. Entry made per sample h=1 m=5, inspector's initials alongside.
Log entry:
h=8 m=45
